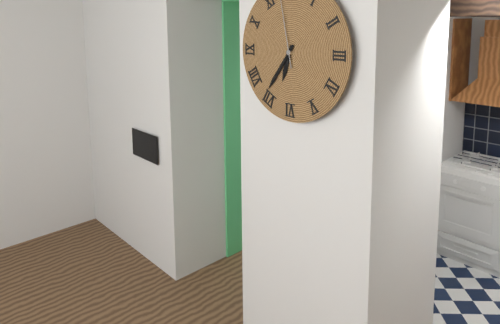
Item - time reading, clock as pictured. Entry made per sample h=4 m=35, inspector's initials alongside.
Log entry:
h=6 m=36
